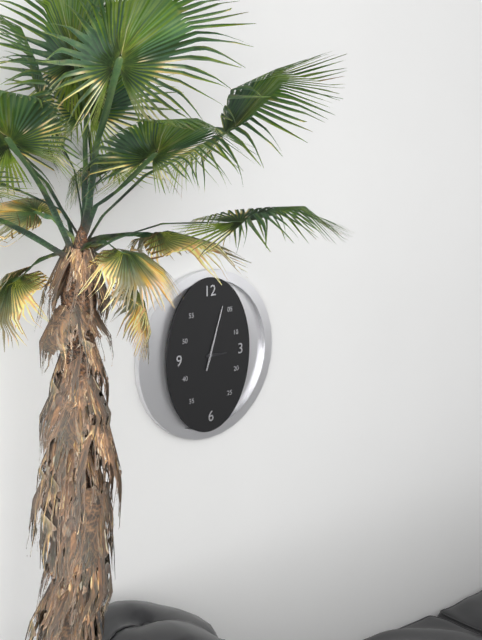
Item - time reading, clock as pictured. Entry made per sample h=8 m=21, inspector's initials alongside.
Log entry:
h=3 m=3
